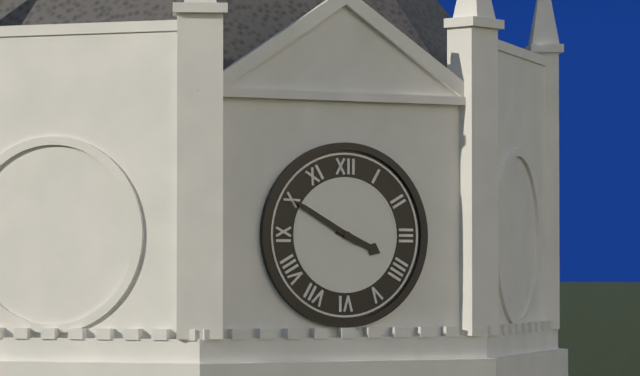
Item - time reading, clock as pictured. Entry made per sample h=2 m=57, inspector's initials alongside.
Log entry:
h=3 m=50
